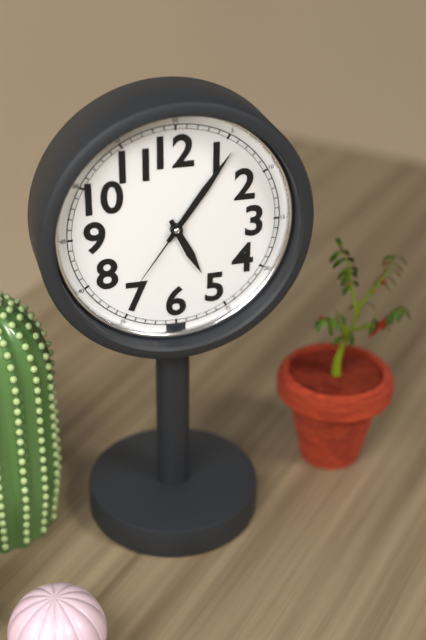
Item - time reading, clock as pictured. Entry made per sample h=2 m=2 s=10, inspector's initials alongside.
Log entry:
h=5 m=6 s=36
